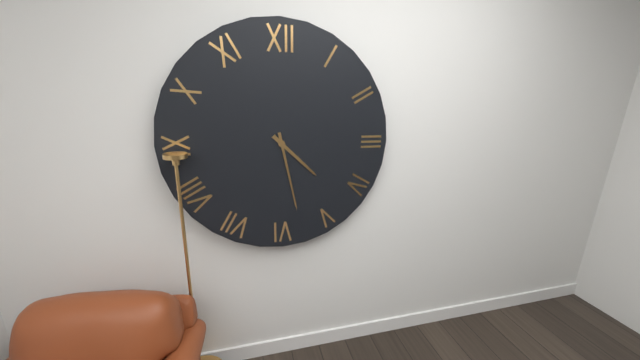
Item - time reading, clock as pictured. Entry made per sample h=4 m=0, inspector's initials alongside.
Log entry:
h=4 m=28
